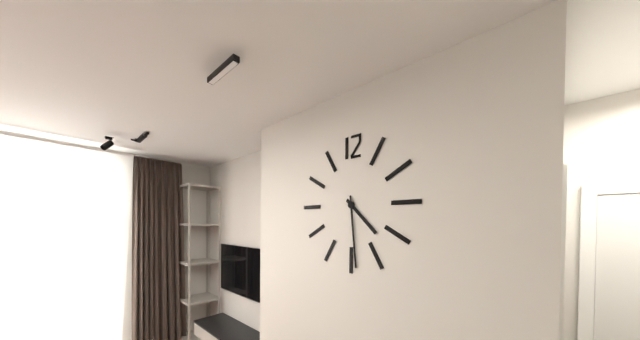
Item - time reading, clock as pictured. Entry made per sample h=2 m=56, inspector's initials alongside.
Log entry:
h=4 m=29
